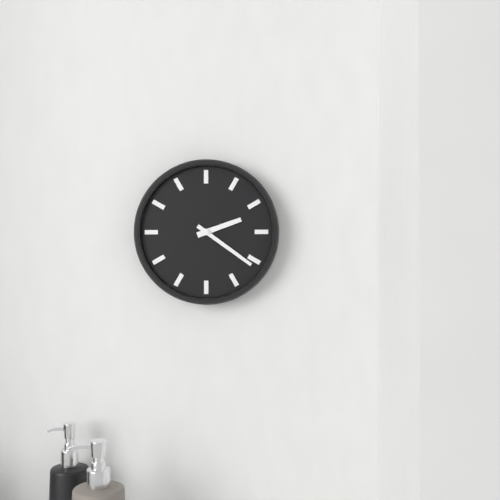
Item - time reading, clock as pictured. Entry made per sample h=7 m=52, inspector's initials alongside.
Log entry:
h=2 m=21
